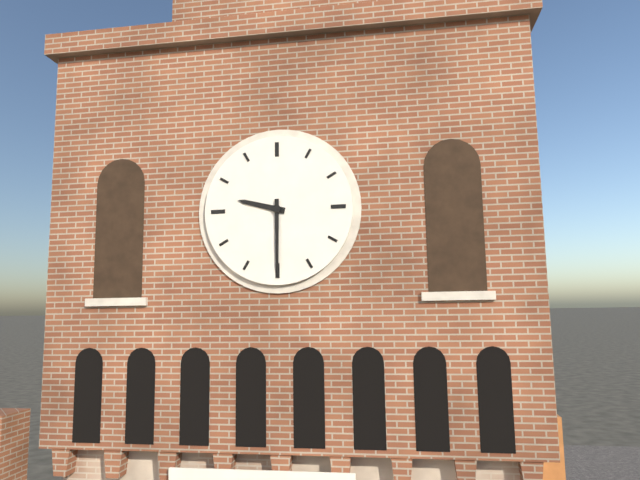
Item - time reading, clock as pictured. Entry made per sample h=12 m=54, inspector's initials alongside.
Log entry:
h=9 m=30
